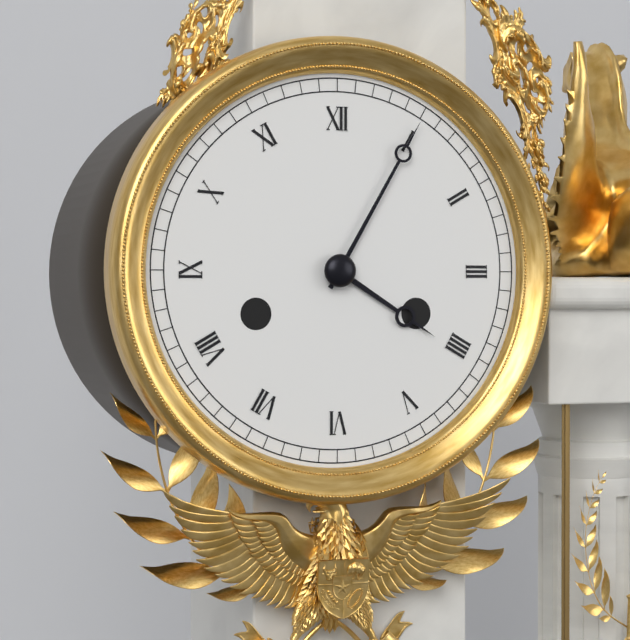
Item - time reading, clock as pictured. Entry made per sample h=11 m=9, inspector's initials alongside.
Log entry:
h=4 m=5
